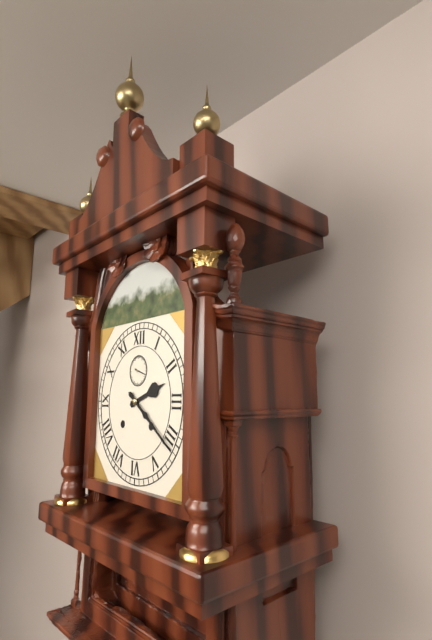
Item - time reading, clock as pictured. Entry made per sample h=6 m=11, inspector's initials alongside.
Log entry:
h=2 m=21
